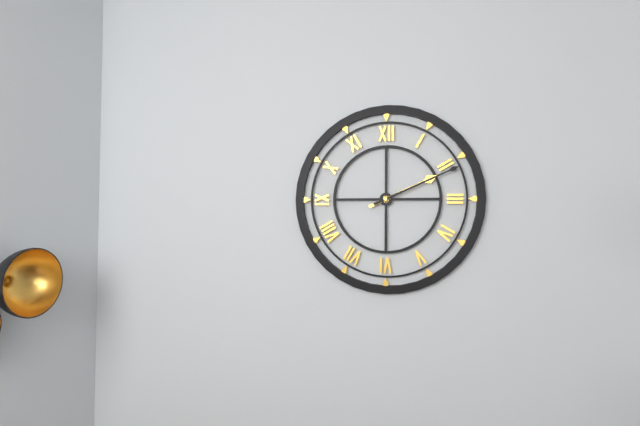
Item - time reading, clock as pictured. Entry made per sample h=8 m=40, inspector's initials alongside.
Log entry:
h=2 m=11
